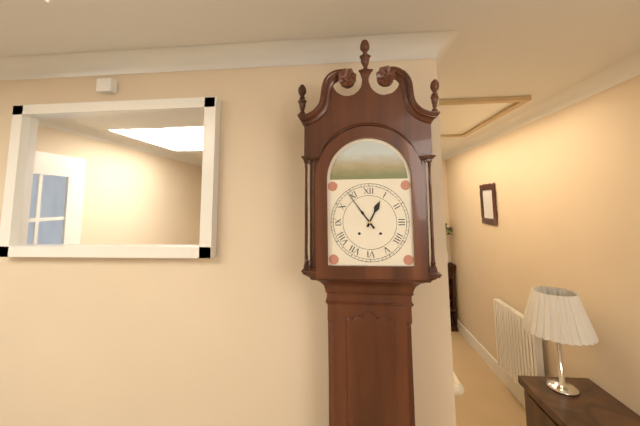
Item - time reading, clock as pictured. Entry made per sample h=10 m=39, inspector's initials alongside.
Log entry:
h=12 m=54
